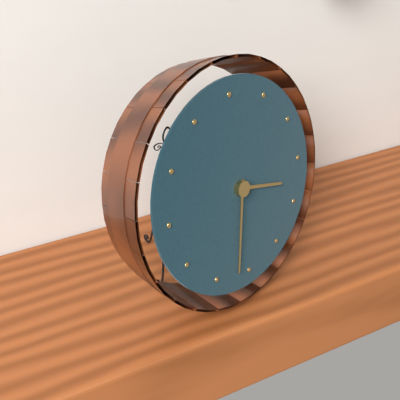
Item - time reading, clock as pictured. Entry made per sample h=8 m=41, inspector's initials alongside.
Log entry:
h=3 m=32
